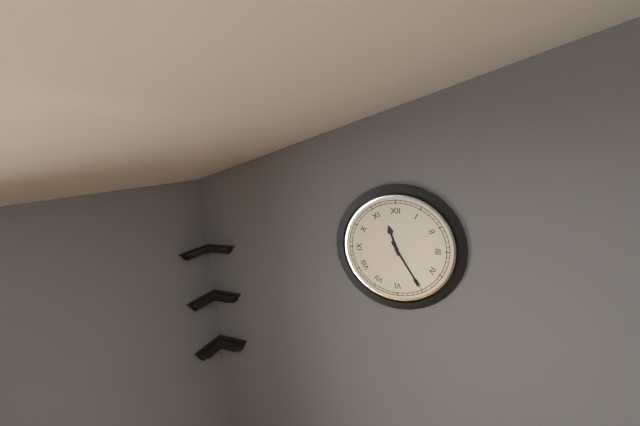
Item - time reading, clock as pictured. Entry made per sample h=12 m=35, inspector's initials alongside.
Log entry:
h=11 m=25
